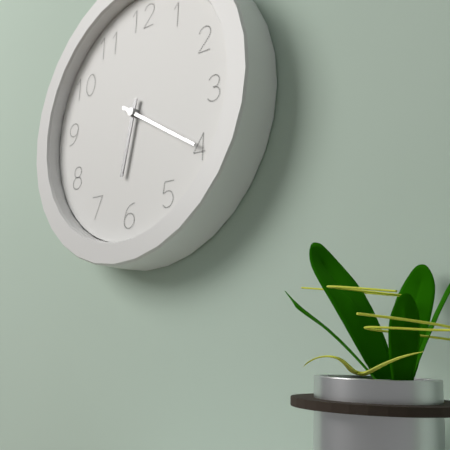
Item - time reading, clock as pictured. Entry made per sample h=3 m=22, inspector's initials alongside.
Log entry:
h=6 m=20
